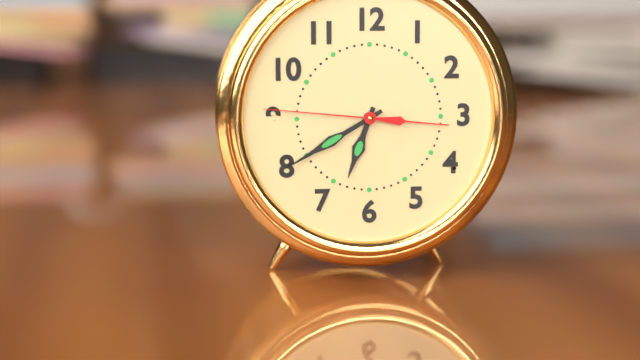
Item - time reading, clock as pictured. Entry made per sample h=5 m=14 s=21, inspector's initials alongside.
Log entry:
h=6 m=40 s=46
